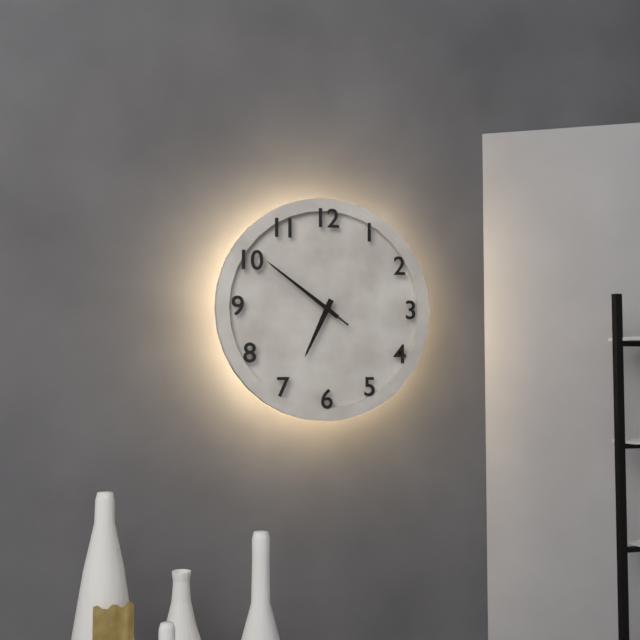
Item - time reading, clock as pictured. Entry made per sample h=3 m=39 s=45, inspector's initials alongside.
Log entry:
h=6 m=51 s=51
